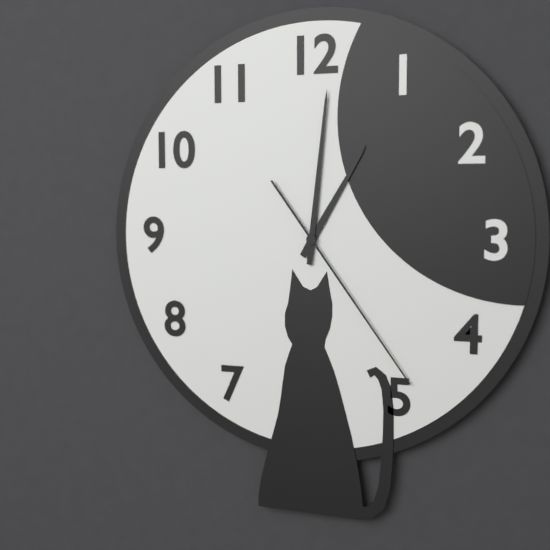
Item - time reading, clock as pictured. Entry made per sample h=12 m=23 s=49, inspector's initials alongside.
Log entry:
h=1 m=1 s=24
